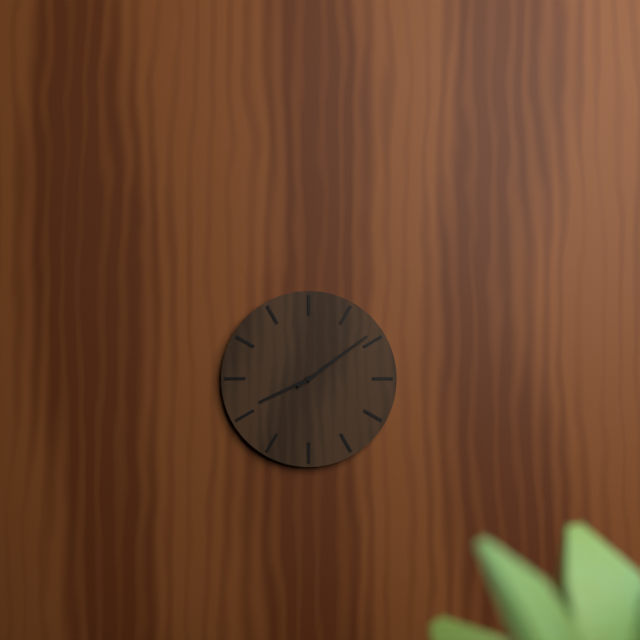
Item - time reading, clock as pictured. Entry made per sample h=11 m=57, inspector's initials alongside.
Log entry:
h=8 m=9
